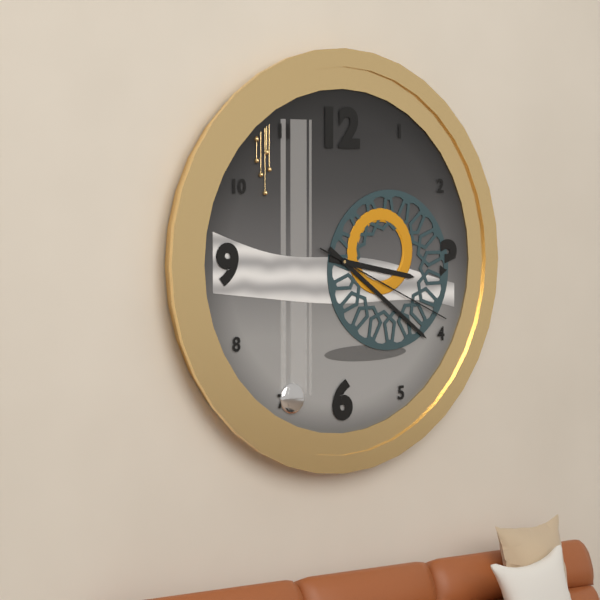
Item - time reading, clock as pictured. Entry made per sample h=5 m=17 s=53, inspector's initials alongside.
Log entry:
h=3 m=21 s=19
